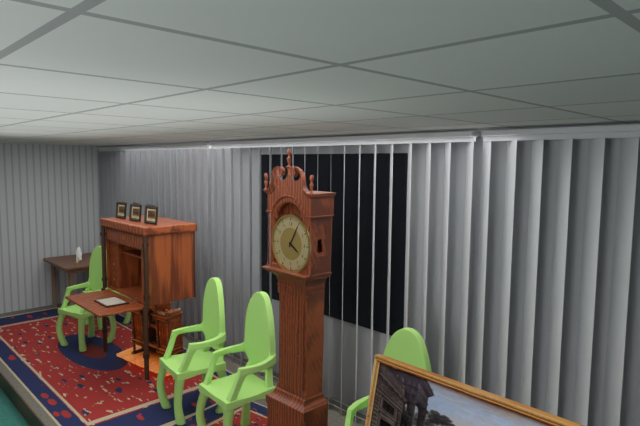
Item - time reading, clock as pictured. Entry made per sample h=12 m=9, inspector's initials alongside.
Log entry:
h=4 m=5
